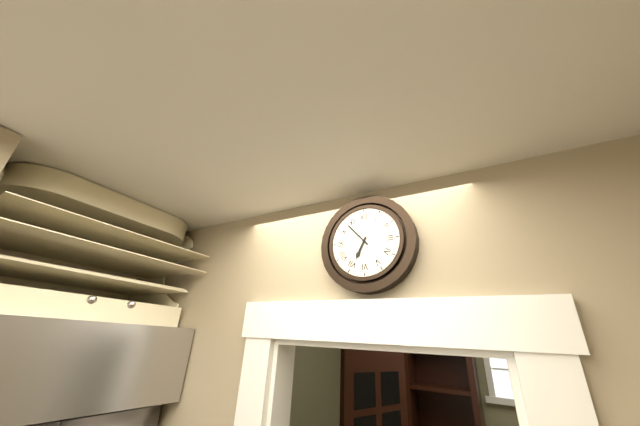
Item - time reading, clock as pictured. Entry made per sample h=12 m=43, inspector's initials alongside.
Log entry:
h=6 m=53
